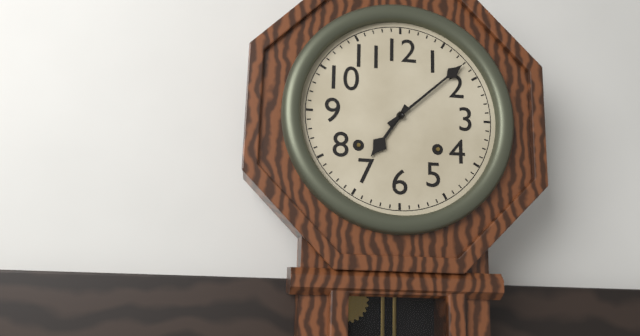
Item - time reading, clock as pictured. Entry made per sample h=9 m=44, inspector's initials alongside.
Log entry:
h=7 m=8
